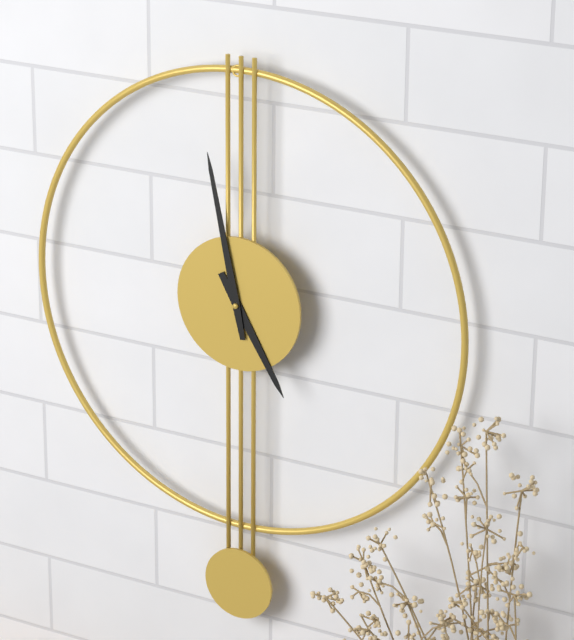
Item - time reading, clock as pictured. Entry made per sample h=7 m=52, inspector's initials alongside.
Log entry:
h=4 m=58
